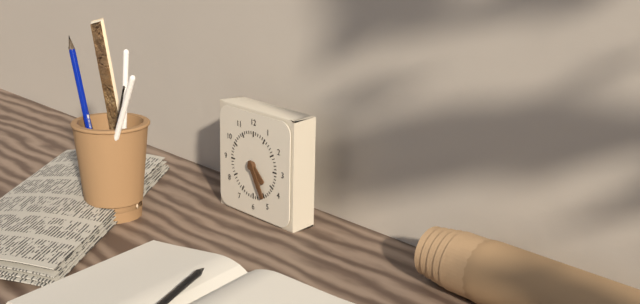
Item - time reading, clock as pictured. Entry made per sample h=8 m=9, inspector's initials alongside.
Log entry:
h=4 m=25
